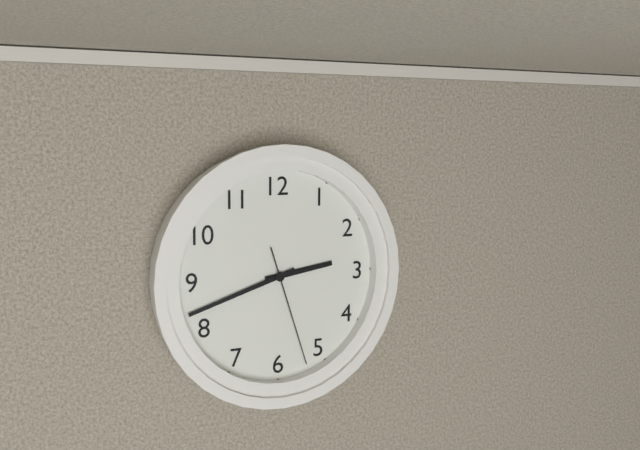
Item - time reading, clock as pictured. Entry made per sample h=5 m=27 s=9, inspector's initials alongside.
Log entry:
h=2 m=42 s=27
